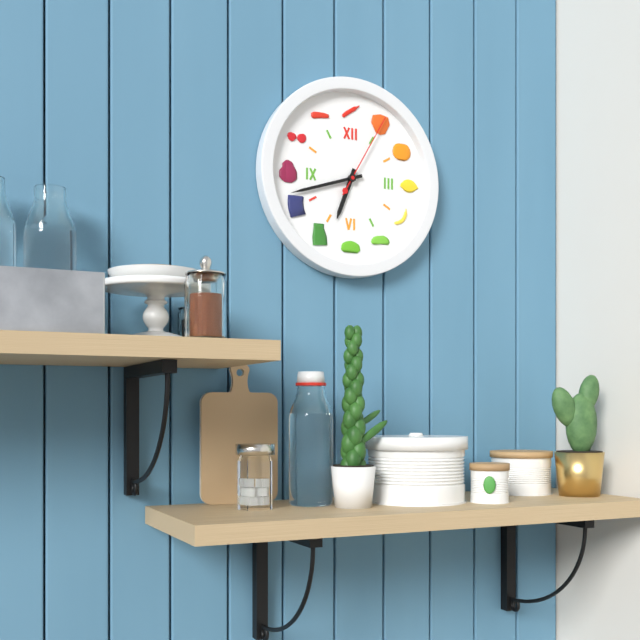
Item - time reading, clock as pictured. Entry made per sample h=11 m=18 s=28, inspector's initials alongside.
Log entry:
h=6 m=42 s=5
